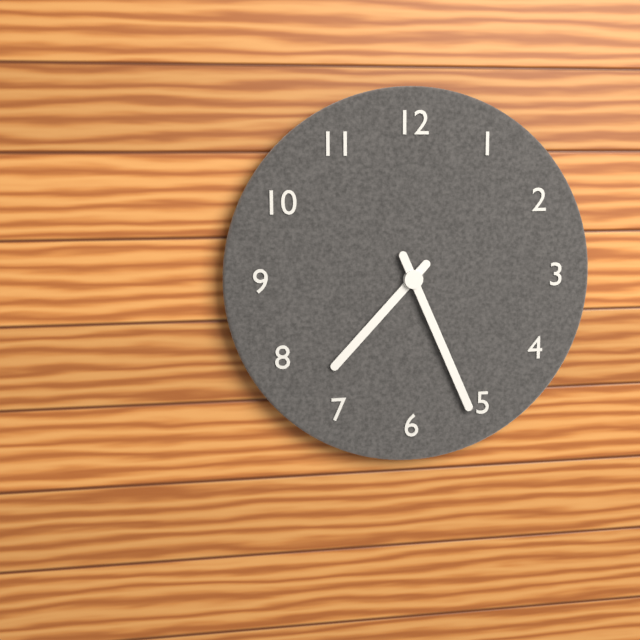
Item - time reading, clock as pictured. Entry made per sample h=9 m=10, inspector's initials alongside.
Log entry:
h=7 m=26
